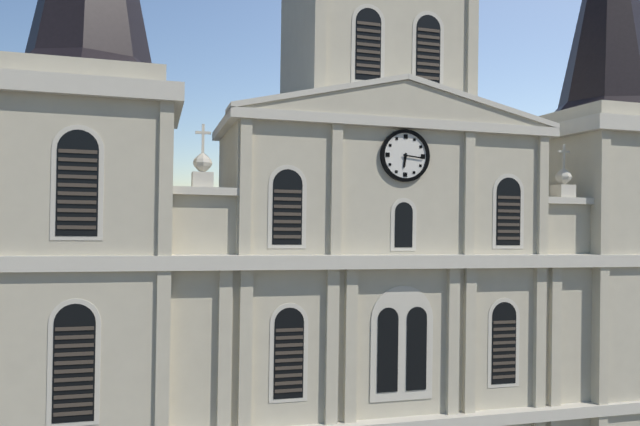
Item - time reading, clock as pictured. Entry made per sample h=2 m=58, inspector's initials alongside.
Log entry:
h=6 m=16
